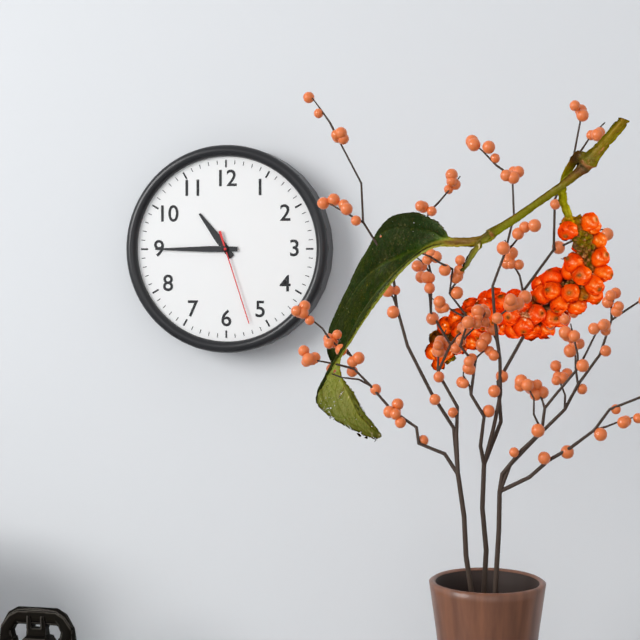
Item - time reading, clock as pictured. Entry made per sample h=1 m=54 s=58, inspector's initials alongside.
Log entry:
h=10 m=45 s=27
